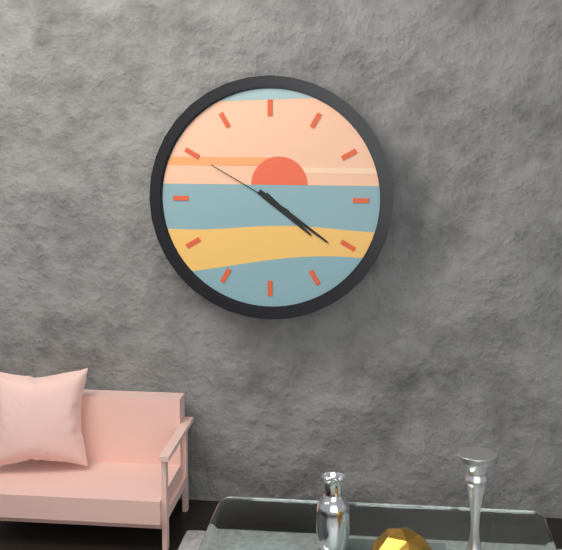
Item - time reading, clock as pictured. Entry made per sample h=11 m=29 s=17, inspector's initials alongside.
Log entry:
h=4 m=21 s=50
